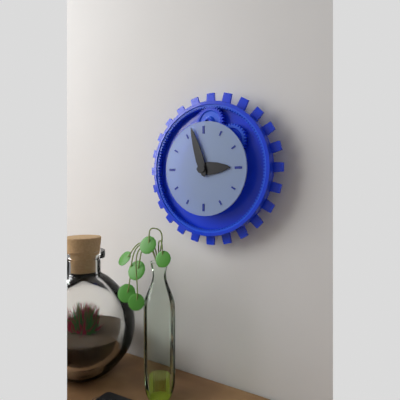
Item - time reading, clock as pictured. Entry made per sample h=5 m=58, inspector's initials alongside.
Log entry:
h=2 m=57
